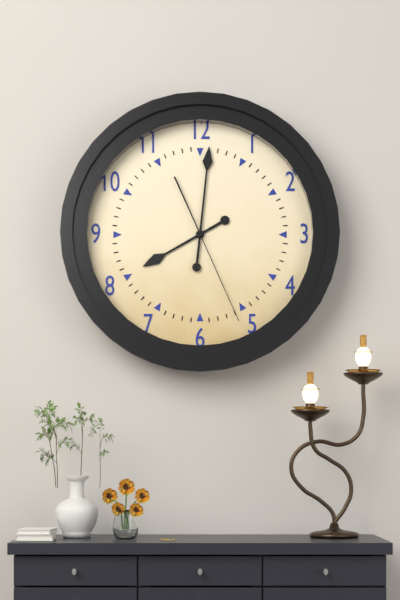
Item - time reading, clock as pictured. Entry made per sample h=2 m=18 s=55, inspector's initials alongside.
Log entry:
h=8 m=1 s=26
